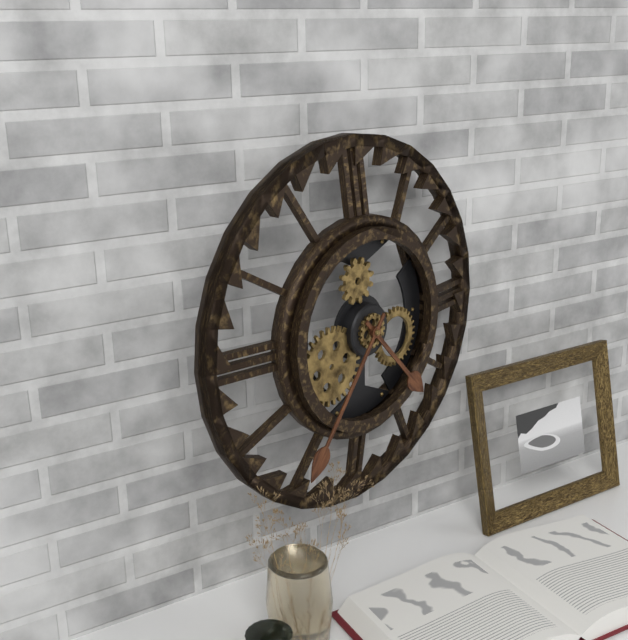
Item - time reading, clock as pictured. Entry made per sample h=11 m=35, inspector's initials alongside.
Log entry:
h=4 m=36
